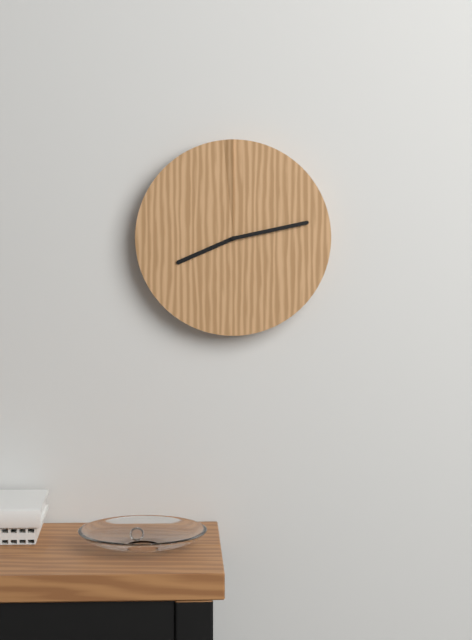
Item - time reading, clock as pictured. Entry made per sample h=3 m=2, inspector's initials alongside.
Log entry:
h=8 m=13
